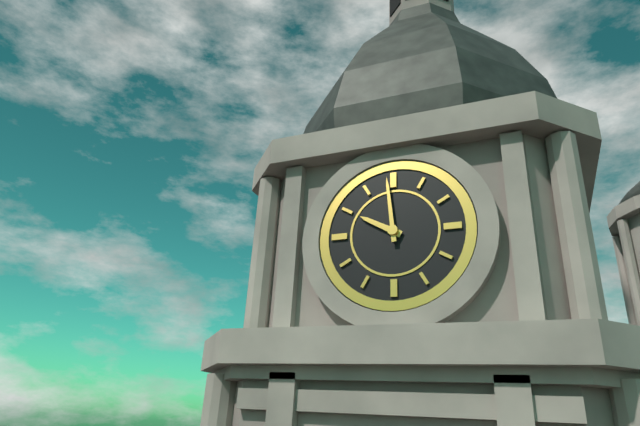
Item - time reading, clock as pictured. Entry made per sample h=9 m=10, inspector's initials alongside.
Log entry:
h=9 m=59
